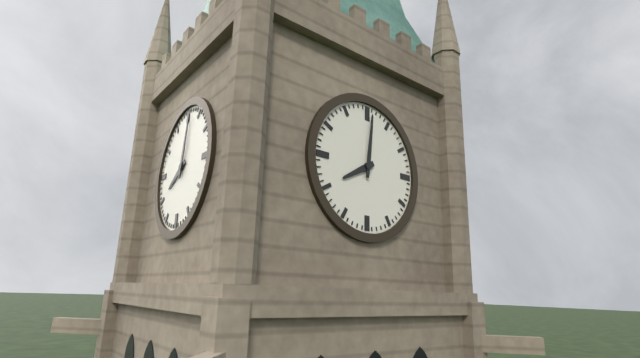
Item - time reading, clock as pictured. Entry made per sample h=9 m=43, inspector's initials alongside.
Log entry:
h=8 m=1
